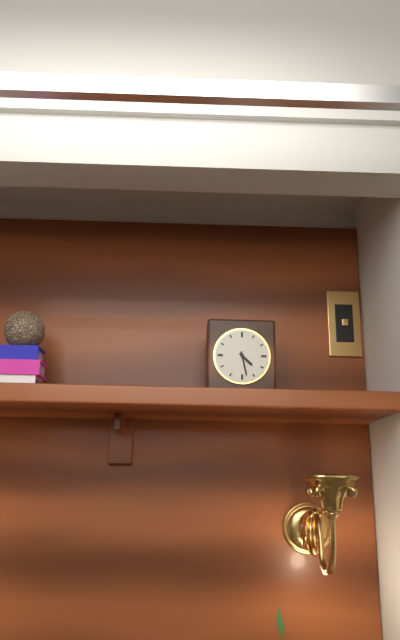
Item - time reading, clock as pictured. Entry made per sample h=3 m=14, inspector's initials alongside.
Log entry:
h=4 m=28
